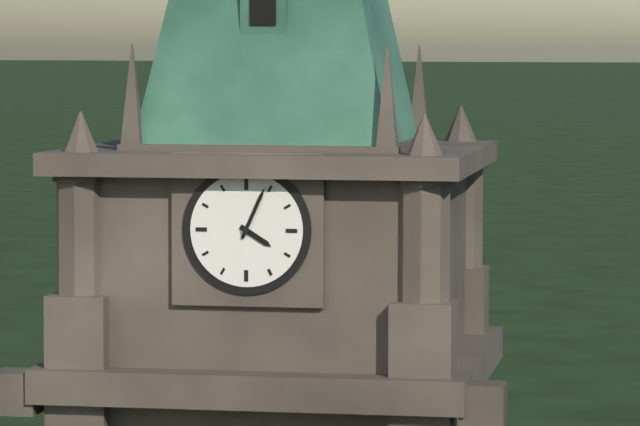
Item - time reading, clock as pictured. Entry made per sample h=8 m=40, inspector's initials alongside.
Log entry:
h=4 m=4
